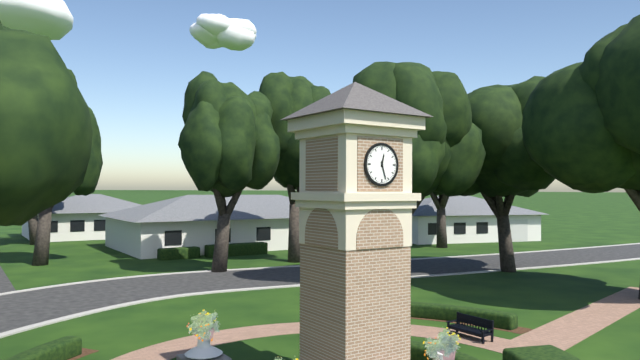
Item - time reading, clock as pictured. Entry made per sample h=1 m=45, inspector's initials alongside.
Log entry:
h=12 m=27
